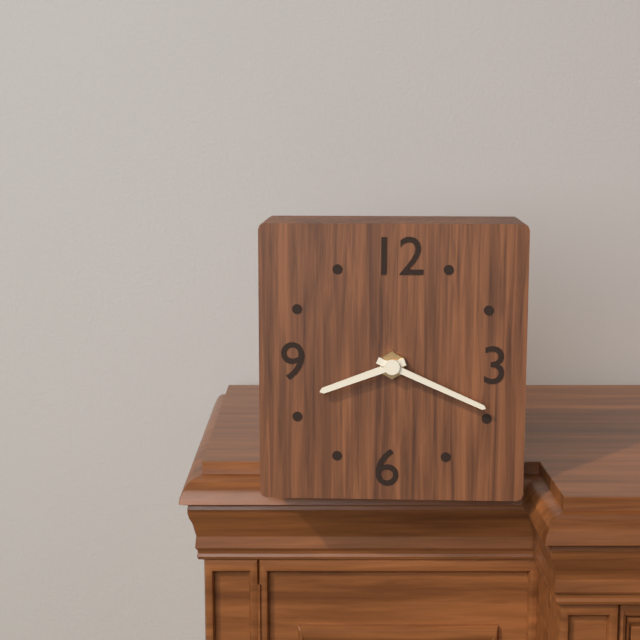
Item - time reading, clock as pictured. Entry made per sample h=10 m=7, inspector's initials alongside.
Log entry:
h=8 m=19
